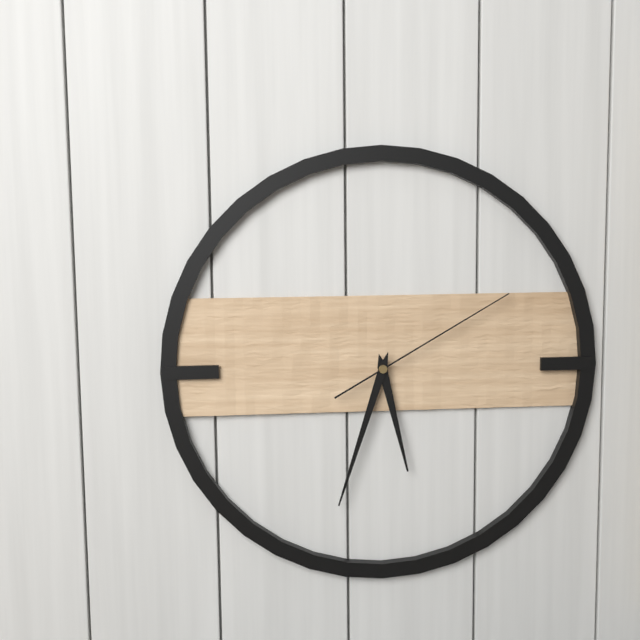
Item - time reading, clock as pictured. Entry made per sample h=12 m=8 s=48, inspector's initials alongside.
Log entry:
h=5 m=33 s=10
